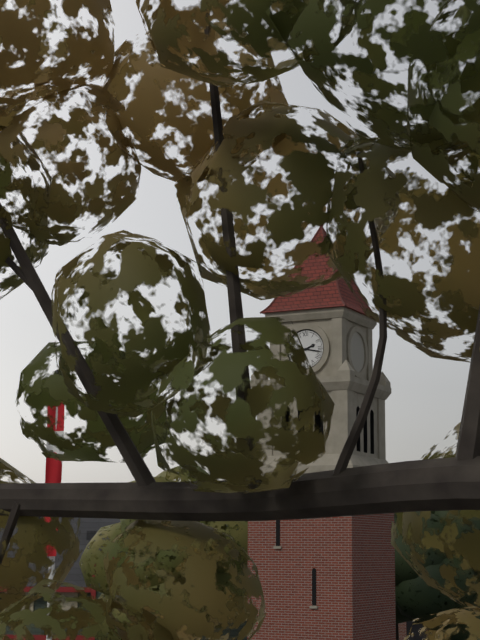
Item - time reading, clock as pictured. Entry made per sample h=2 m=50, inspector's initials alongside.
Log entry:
h=2 m=17
